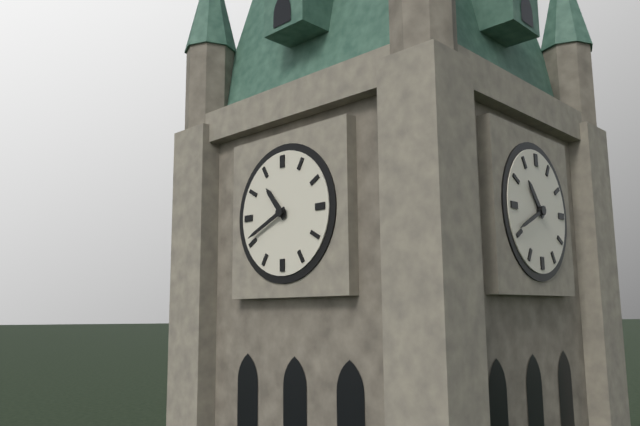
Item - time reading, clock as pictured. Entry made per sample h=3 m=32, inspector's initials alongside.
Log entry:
h=10 m=41
